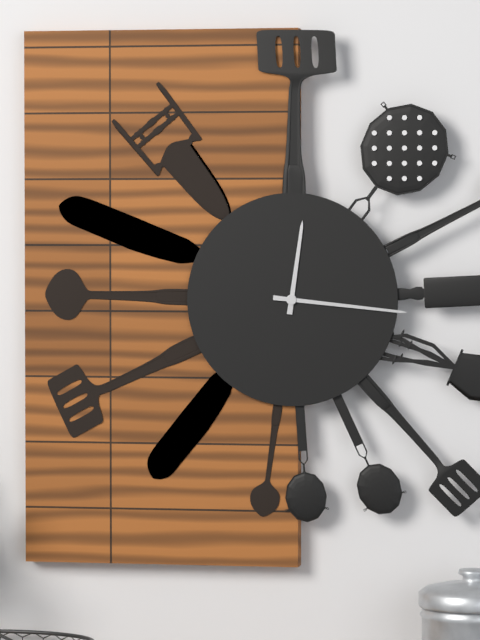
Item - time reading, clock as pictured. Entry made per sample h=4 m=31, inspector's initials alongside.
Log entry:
h=12 m=16
